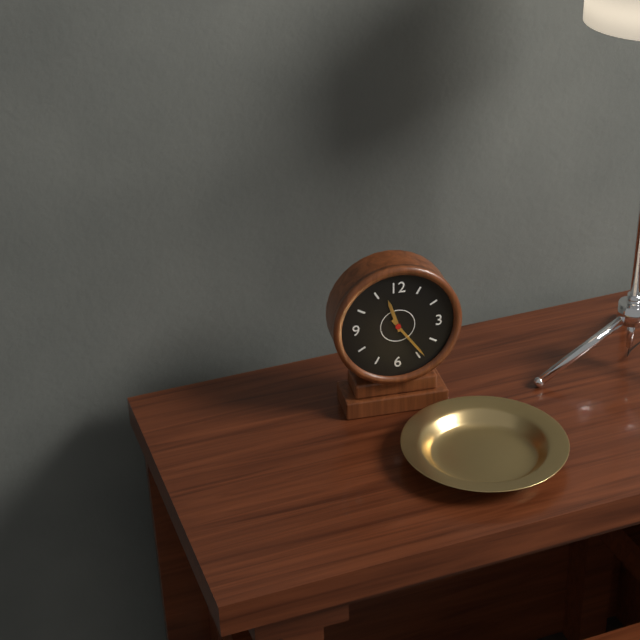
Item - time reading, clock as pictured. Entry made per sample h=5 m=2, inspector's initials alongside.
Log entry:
h=11 m=24
